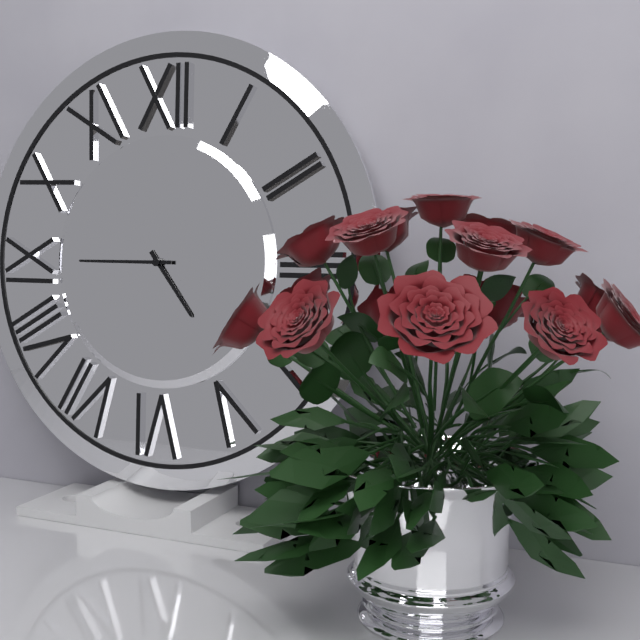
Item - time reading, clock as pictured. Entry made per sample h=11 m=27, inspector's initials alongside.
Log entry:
h=4 m=45
